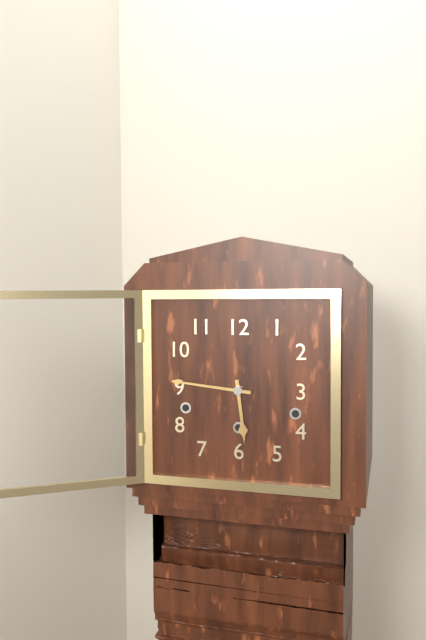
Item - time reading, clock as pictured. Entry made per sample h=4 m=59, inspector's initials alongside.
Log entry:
h=5 m=46
